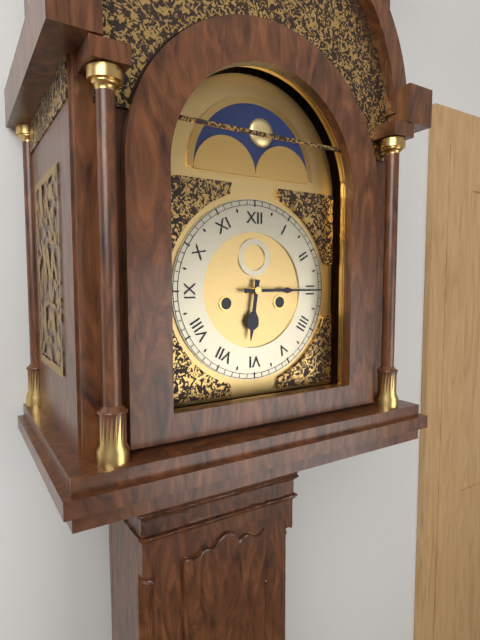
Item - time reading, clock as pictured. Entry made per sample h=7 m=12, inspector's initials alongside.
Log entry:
h=6 m=15
